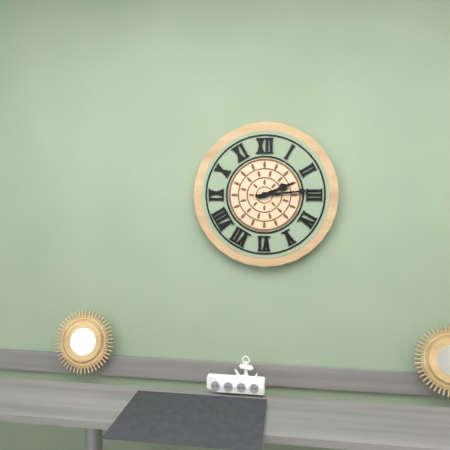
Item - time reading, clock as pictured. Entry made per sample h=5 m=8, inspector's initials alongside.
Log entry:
h=2 m=14
